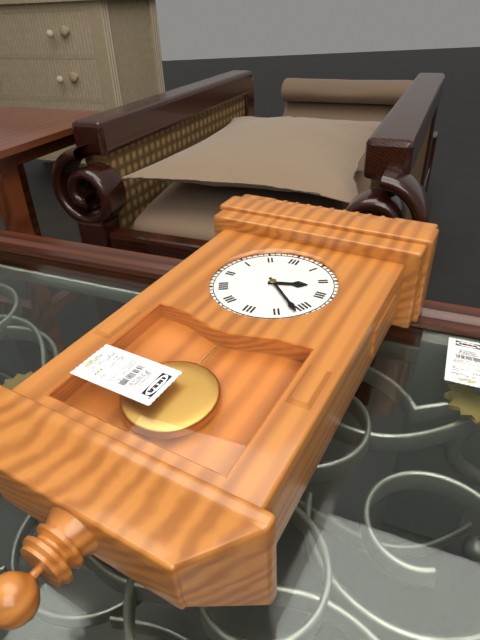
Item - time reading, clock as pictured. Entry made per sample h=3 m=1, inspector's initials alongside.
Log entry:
h=2 m=22
